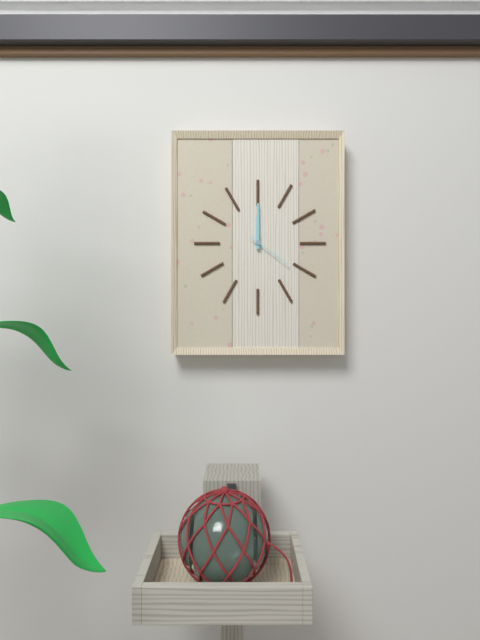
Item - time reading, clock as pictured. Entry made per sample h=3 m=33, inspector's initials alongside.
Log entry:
h=12 m=0
